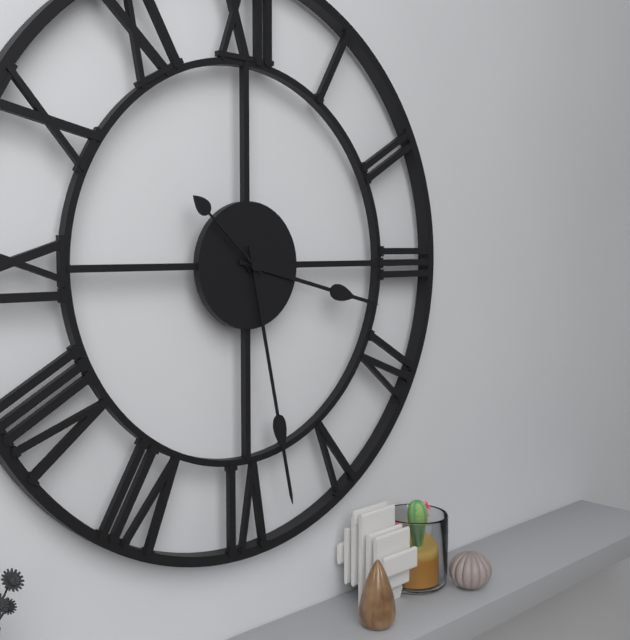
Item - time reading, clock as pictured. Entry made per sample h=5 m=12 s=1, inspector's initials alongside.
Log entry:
h=3 m=28 s=52
